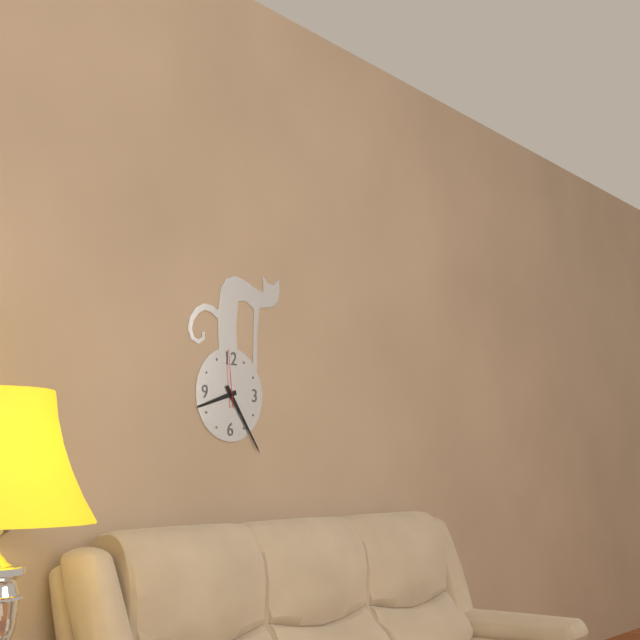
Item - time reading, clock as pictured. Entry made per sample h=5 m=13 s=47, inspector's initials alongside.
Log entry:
h=8 m=24 s=59
